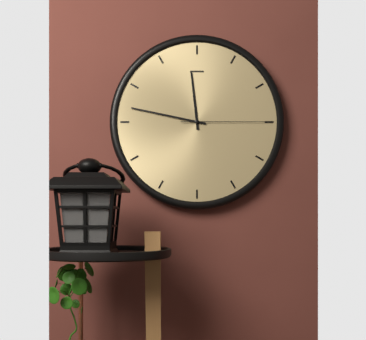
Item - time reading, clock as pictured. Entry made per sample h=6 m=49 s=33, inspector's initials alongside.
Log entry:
h=11 m=47 s=15
